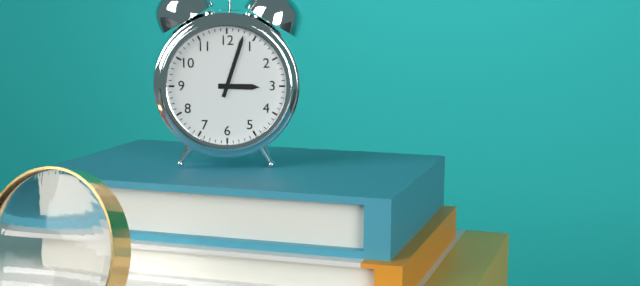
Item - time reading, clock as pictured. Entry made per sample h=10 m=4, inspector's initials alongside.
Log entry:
h=3 m=3
